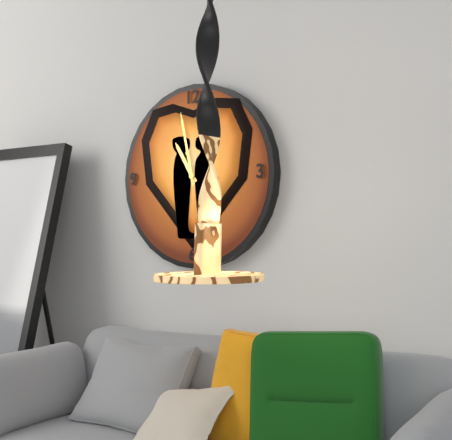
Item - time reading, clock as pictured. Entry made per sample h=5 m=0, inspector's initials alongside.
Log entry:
h=10 m=58
